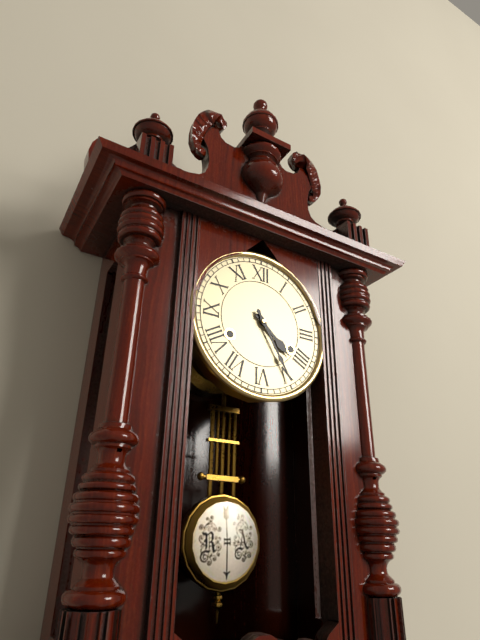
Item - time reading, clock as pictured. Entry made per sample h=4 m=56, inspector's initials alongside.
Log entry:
h=4 m=25
